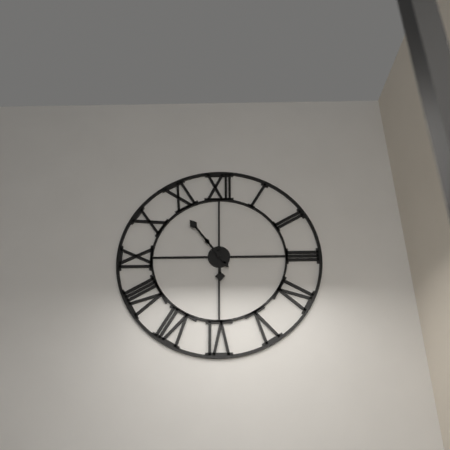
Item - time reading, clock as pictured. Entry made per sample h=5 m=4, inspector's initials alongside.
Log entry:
h=5 m=54
